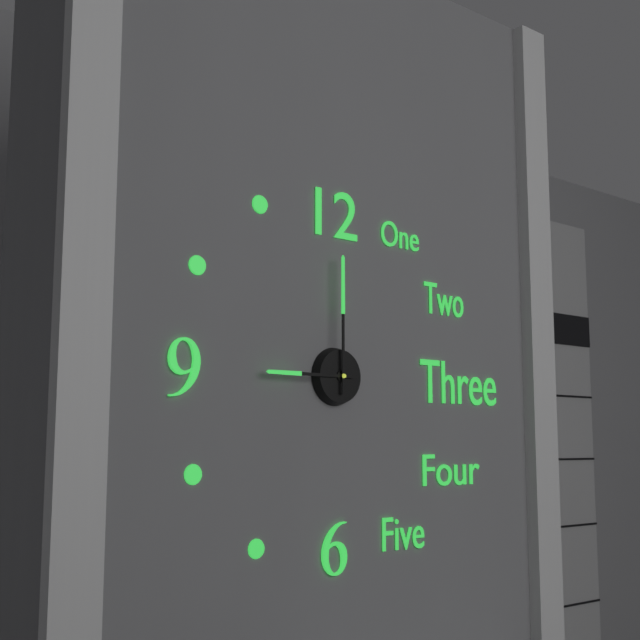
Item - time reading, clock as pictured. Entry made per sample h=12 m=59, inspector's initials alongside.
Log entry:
h=9 m=0
